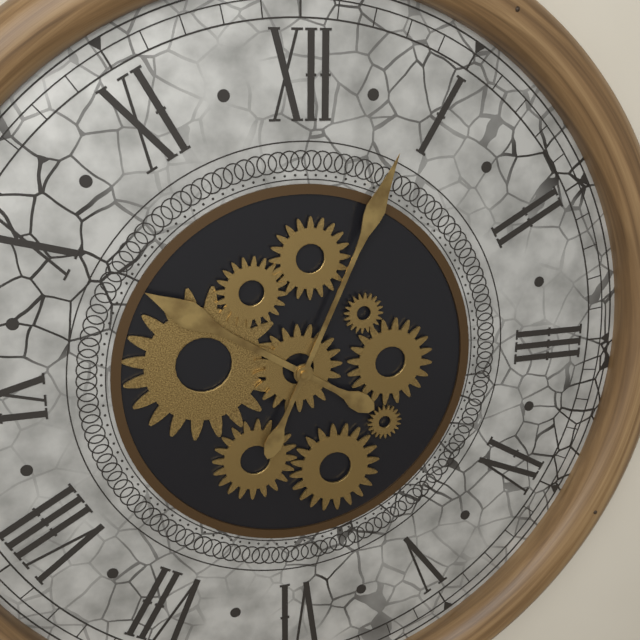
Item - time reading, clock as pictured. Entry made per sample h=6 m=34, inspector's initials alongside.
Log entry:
h=10 m=4
